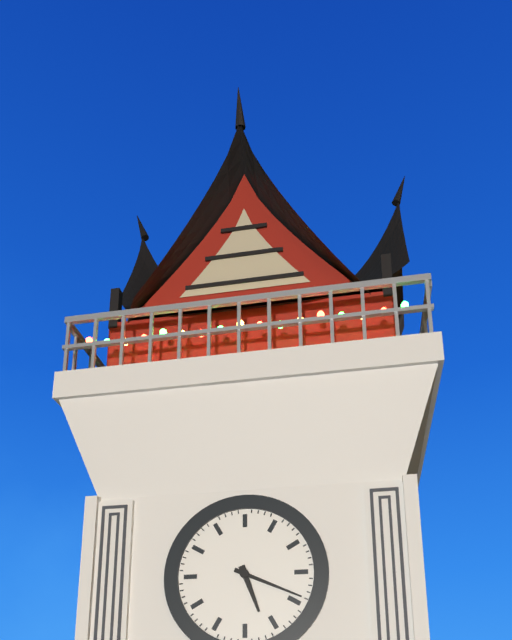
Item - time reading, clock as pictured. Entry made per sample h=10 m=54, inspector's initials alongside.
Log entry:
h=5 m=19
